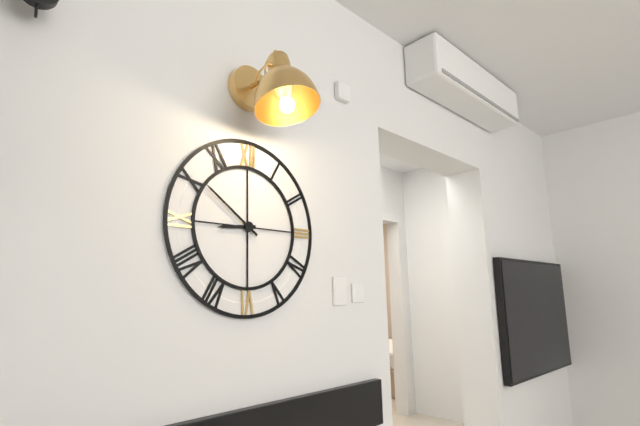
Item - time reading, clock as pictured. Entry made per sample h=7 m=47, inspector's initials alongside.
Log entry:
h=8 m=51
